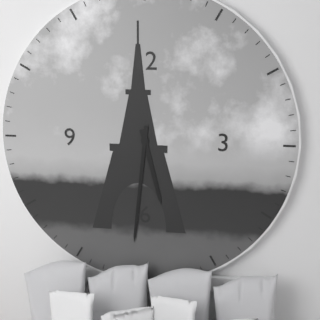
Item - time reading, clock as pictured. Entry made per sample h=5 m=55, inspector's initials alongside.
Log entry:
h=5 m=31
